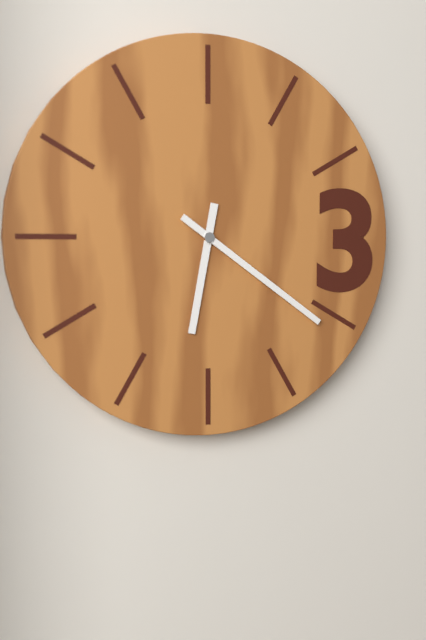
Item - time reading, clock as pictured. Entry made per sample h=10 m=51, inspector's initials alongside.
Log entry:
h=6 m=21
